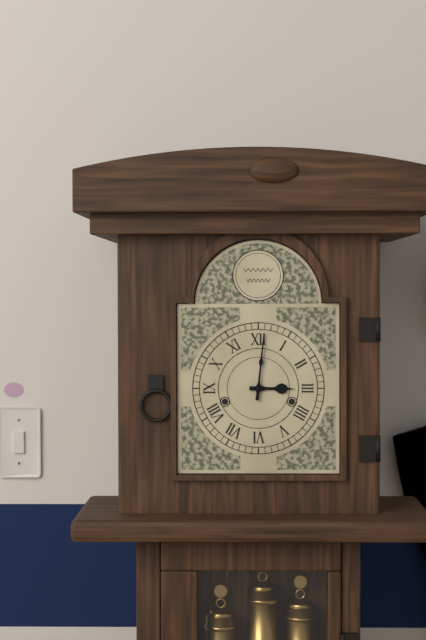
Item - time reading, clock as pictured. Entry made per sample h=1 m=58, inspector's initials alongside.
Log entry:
h=3 m=1
